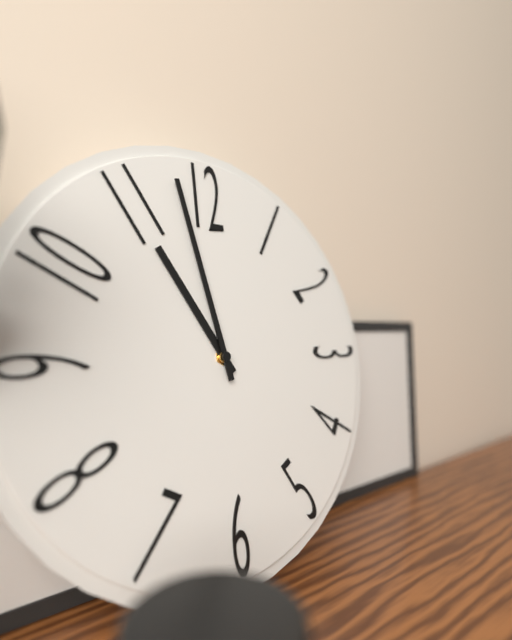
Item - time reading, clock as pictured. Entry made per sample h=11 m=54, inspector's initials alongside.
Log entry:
h=10 m=58
